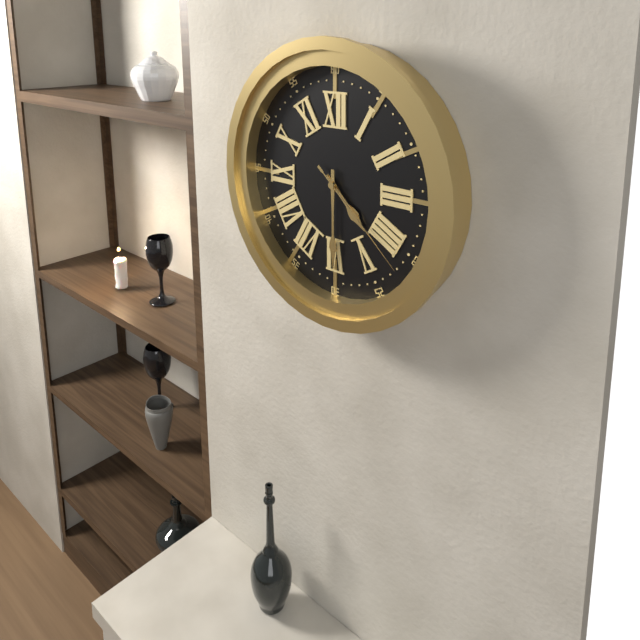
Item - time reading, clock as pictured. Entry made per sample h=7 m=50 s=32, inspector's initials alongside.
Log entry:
h=4 m=30 s=22
